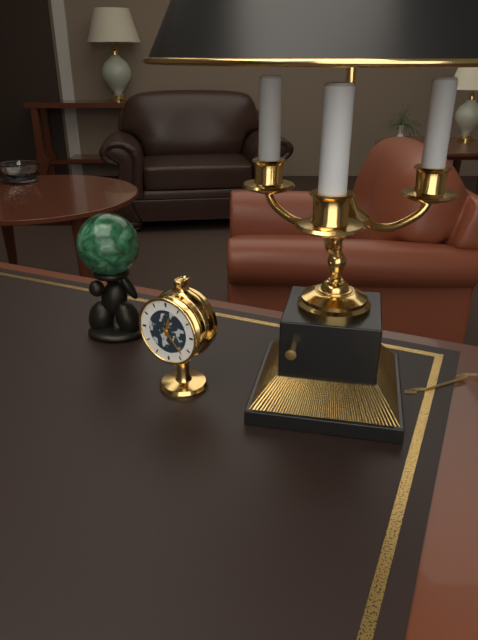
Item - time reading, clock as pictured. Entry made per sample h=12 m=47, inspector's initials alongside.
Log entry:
h=12 m=23
